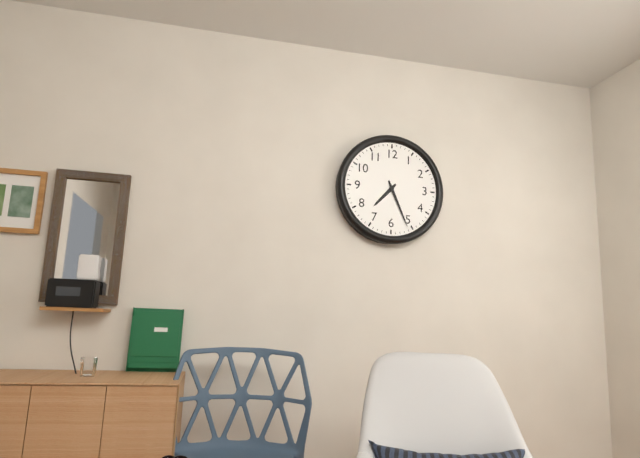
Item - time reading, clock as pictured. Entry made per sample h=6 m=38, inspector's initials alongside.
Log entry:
h=7 m=26
